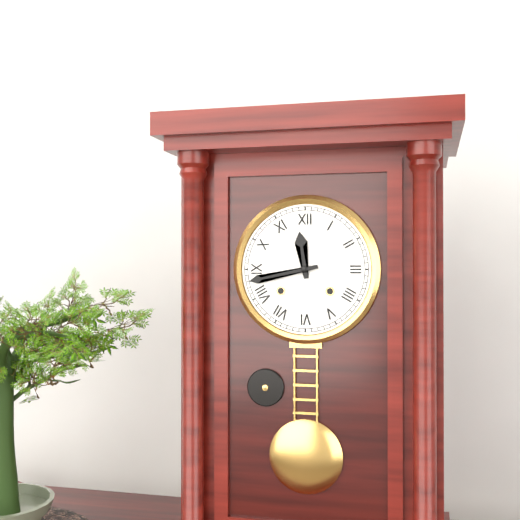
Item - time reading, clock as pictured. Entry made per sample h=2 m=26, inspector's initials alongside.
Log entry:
h=11 m=43
